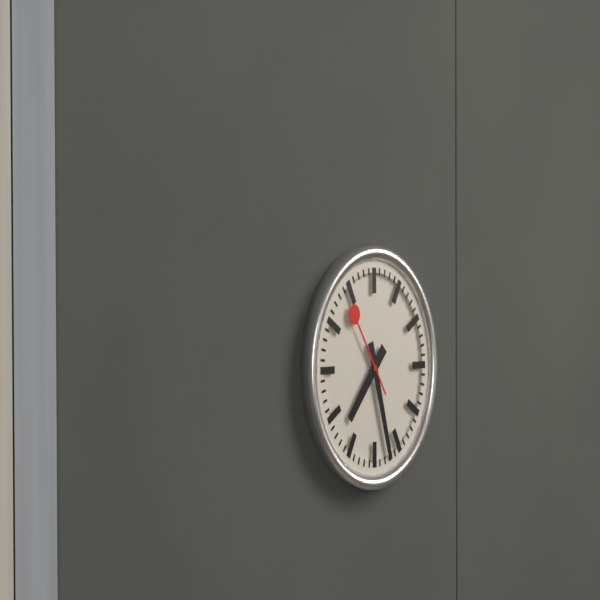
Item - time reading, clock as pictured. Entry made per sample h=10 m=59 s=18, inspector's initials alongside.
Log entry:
h=7 m=27 s=54
